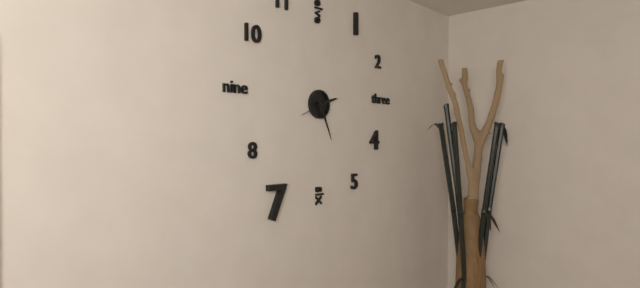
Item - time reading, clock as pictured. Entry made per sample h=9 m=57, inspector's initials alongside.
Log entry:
h=2 m=26
